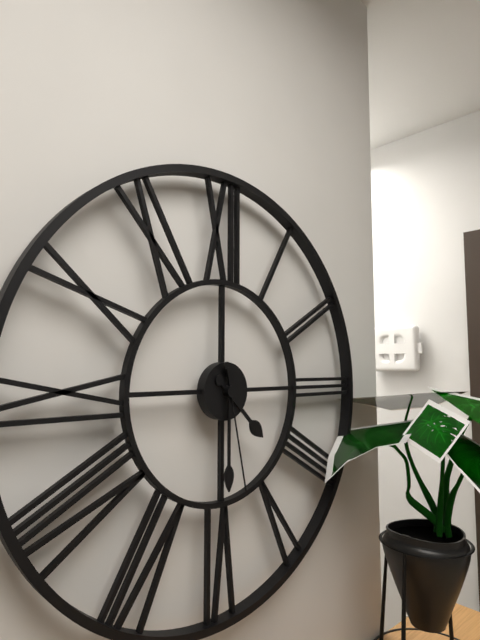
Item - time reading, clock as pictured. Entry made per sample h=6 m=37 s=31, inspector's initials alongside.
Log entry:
h=4 m=30 s=28
